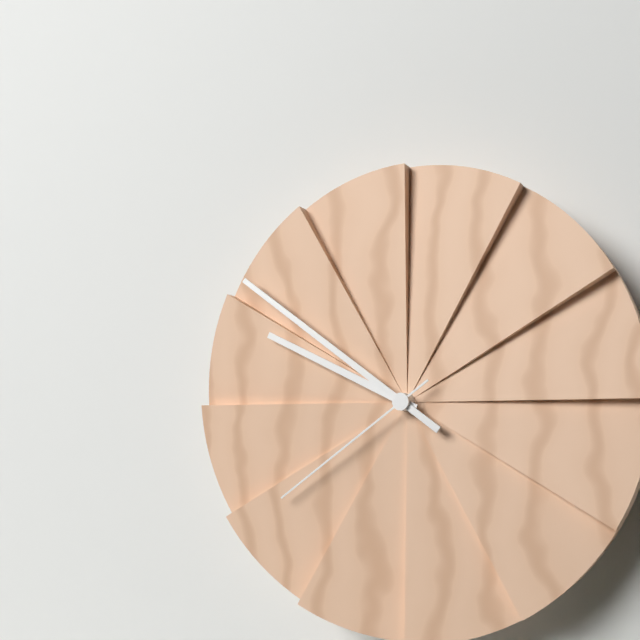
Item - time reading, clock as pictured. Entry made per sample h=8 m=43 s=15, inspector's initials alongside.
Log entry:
h=9 m=51 s=39
